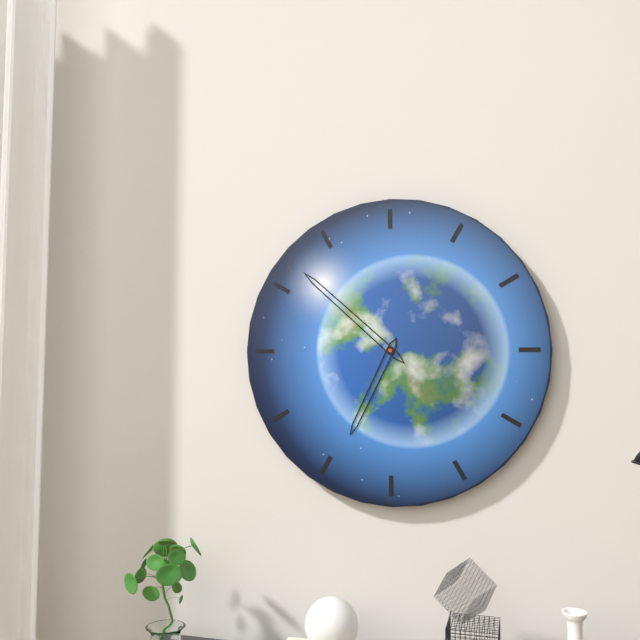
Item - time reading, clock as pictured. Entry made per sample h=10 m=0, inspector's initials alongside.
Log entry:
h=6 m=52
